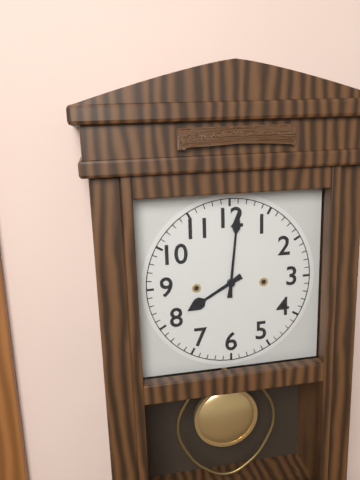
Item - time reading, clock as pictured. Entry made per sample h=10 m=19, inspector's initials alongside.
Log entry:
h=8 m=1
